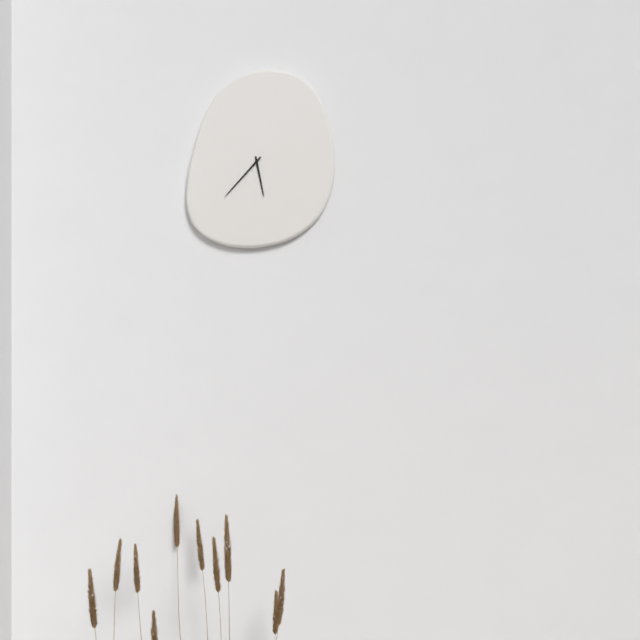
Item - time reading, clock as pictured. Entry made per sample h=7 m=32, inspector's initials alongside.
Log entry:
h=5 m=37
